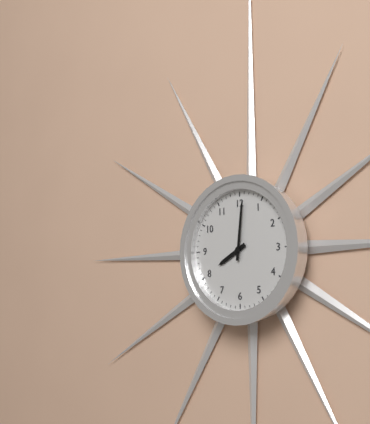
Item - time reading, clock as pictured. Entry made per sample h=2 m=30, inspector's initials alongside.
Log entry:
h=8 m=1
